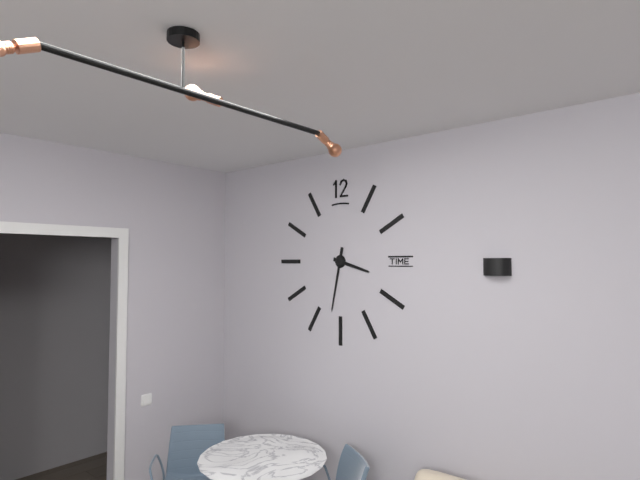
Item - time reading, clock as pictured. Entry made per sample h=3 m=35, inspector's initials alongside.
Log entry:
h=3 m=32
